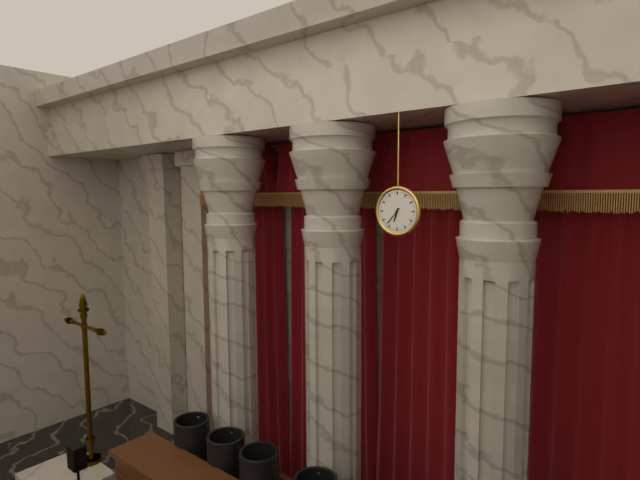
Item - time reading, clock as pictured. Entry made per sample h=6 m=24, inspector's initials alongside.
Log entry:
h=6 m=37
